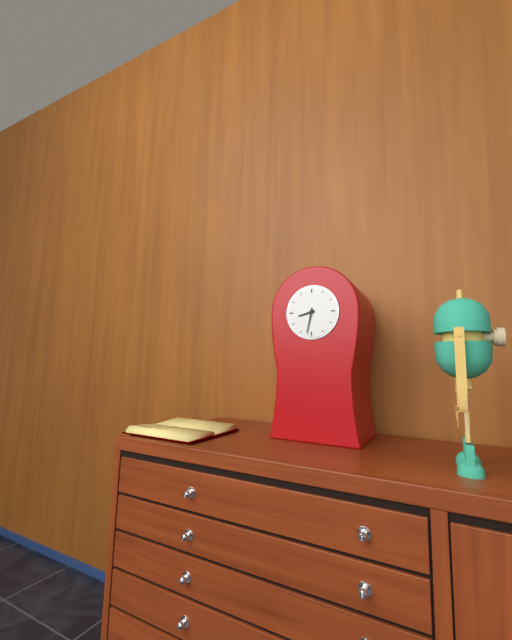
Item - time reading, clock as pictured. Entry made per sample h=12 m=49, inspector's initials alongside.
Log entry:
h=8 m=32
